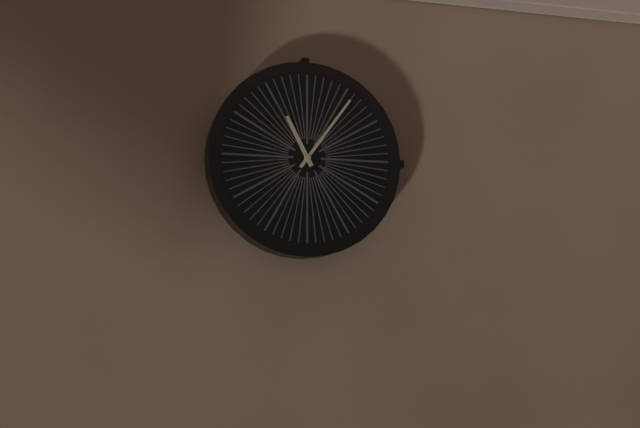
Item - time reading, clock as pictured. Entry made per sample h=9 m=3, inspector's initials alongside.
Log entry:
h=11 m=6
